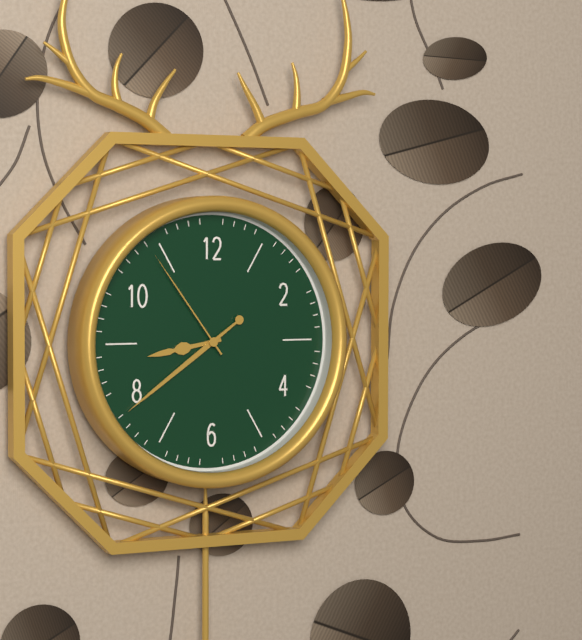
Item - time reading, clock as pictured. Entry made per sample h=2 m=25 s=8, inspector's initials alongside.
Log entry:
h=8 m=39 s=54
